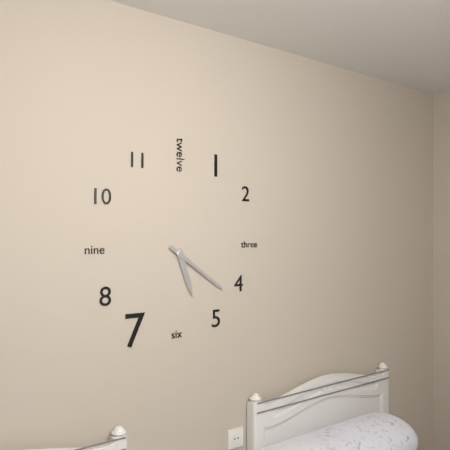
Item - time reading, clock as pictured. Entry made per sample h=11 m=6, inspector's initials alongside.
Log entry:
h=5 m=21
